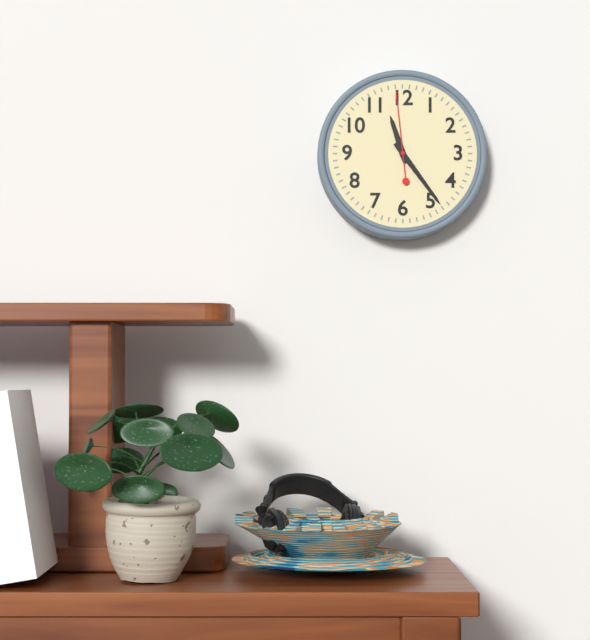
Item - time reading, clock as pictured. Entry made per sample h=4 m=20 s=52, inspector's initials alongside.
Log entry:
h=11 m=24 s=59
